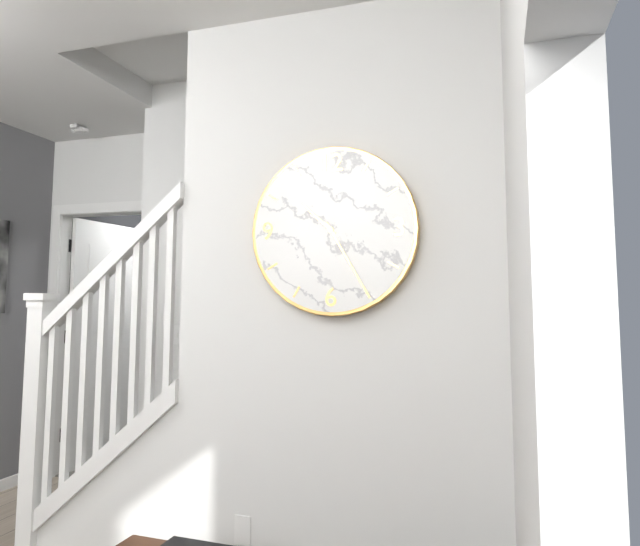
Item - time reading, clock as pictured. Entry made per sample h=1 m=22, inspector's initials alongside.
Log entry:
h=10 m=25
